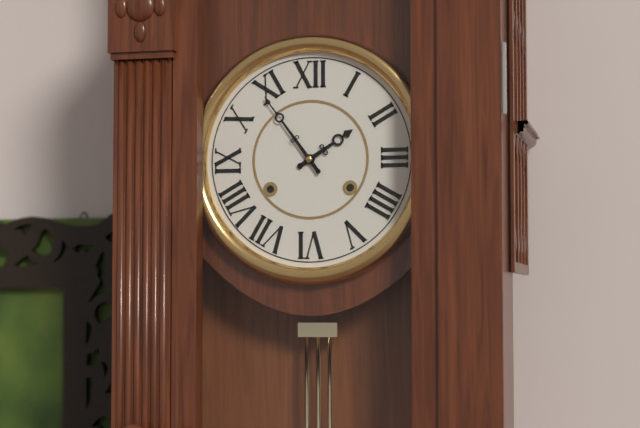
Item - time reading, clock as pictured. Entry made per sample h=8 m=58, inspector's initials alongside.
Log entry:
h=1 m=54
